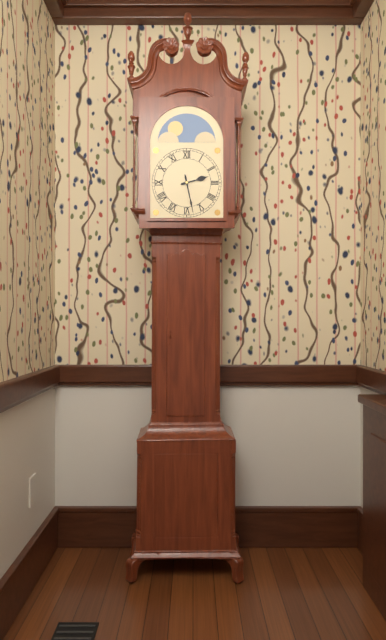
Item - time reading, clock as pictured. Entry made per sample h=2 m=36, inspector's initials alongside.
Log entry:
h=2 m=28
